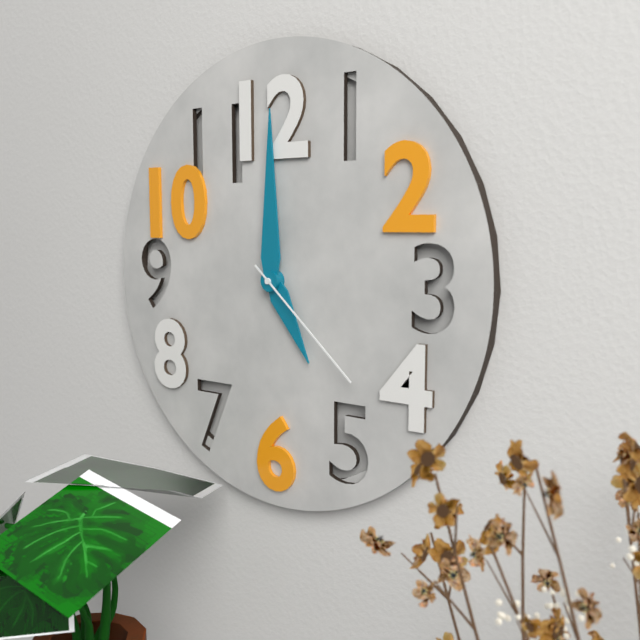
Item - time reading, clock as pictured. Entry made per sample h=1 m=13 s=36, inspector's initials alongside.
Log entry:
h=5 m=0 s=22
